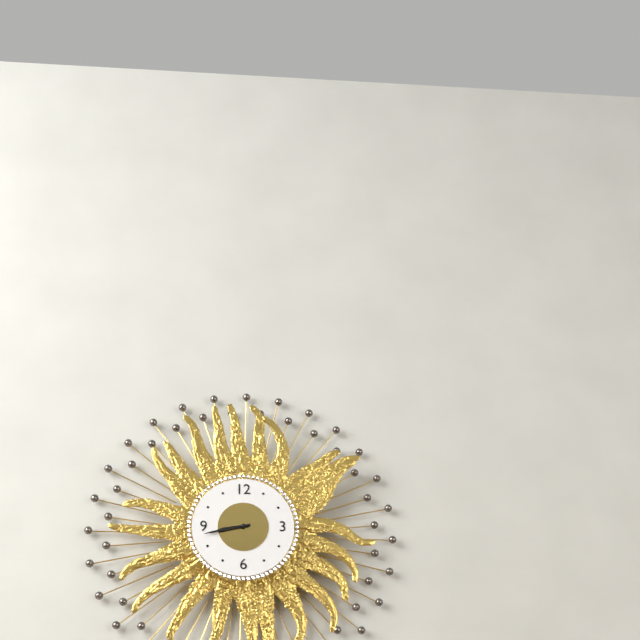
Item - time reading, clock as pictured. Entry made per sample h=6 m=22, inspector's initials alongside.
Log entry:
h=8 m=43
